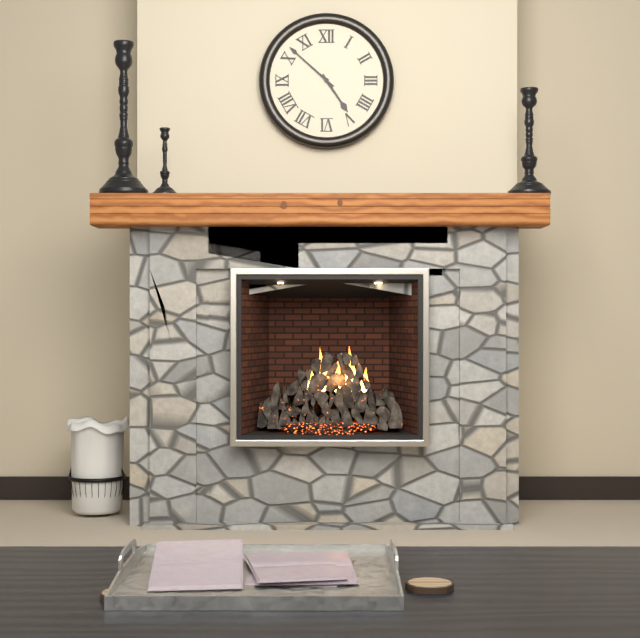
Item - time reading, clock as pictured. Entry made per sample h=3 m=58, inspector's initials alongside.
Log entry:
h=4 m=52
